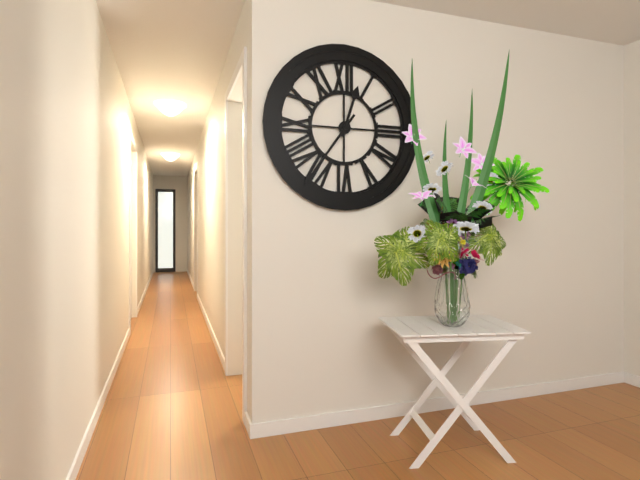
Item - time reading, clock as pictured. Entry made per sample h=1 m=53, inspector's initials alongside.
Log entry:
h=12 m=36
